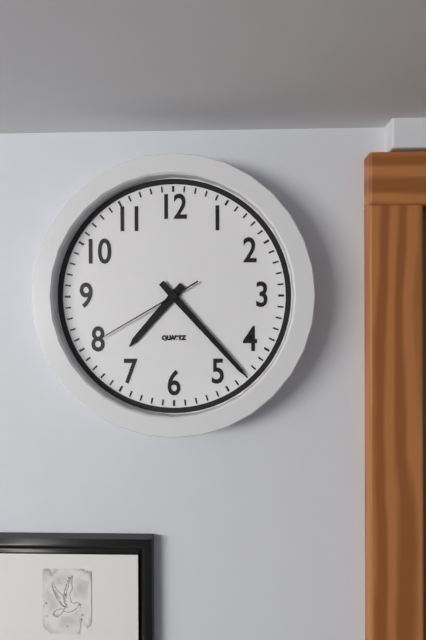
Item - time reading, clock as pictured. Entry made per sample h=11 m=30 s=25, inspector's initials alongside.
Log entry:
h=7 m=23 s=40
